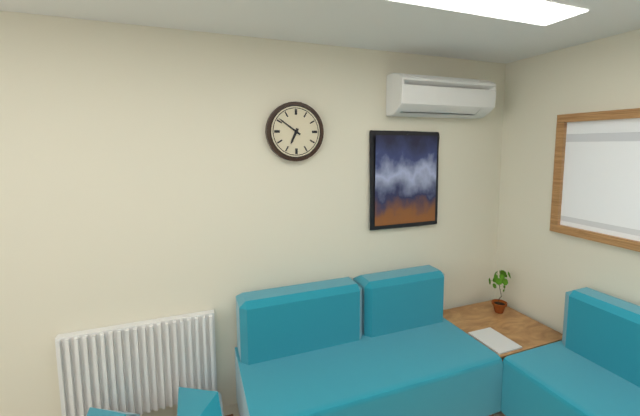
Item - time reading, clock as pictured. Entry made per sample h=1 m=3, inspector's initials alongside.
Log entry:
h=6 m=51
